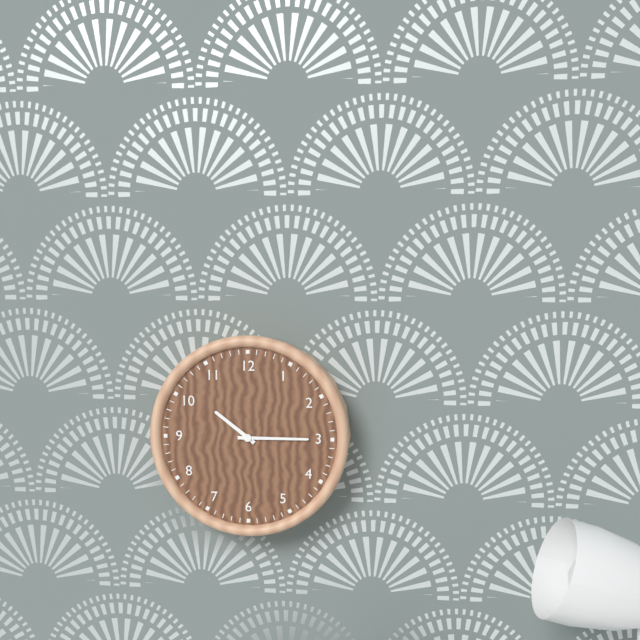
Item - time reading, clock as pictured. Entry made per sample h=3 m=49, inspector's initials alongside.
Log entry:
h=10 m=15
